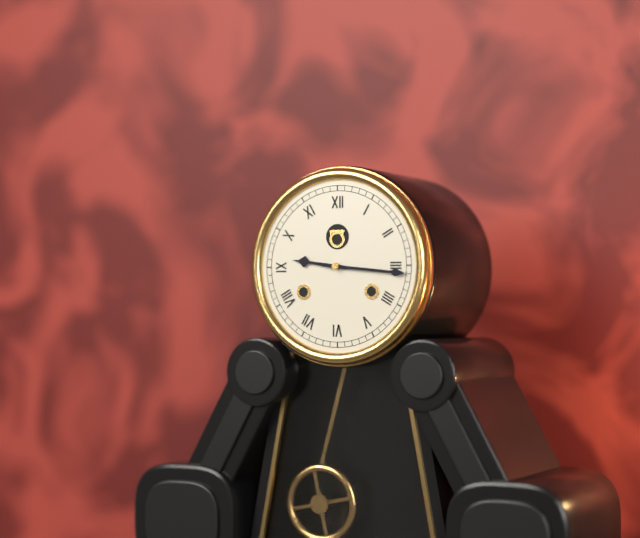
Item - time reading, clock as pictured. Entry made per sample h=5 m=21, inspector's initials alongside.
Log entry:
h=9 m=16
